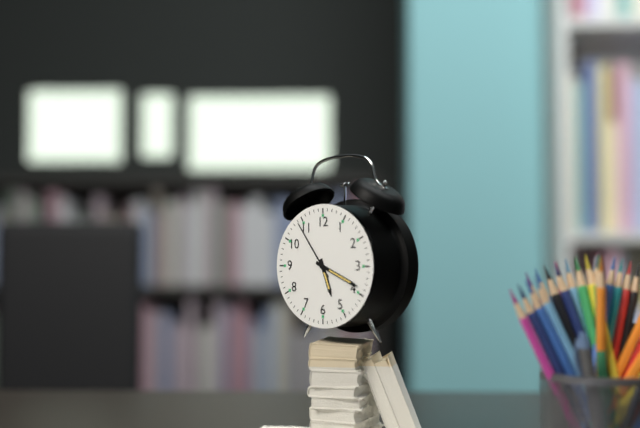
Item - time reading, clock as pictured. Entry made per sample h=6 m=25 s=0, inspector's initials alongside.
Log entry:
h=5 m=19 s=54
